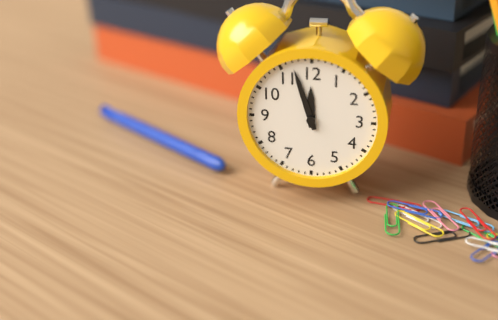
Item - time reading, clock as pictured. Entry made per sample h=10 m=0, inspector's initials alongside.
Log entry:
h=11 m=57
